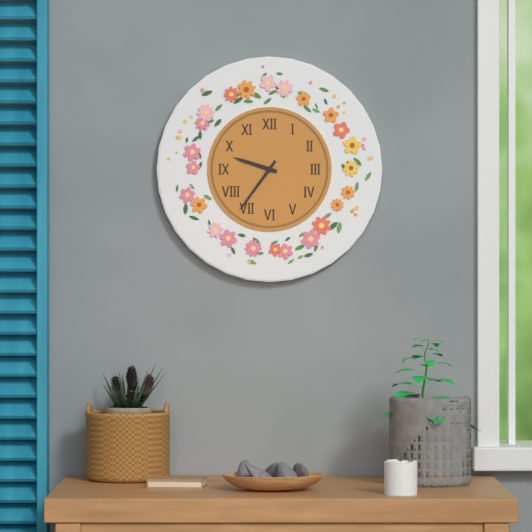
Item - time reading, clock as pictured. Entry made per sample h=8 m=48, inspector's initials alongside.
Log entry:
h=9 m=36
